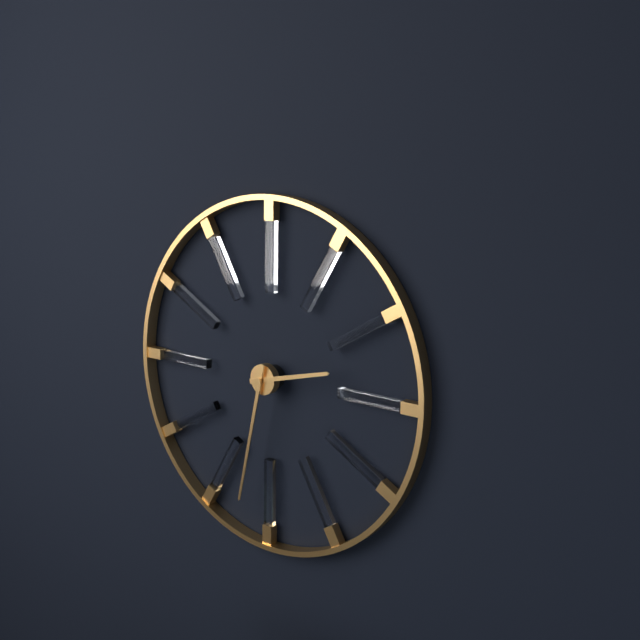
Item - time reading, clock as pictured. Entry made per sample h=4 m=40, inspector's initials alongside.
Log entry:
h=2 m=32
